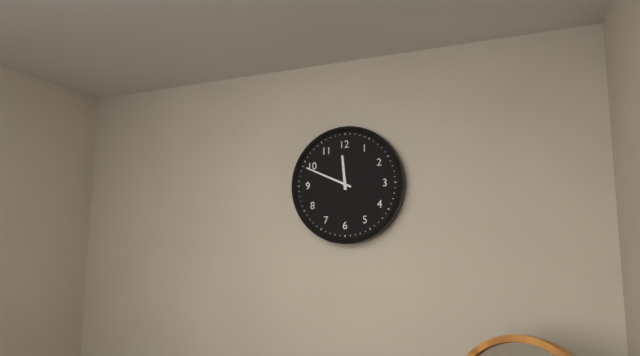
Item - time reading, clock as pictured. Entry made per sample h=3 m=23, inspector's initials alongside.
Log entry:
h=11 m=49
